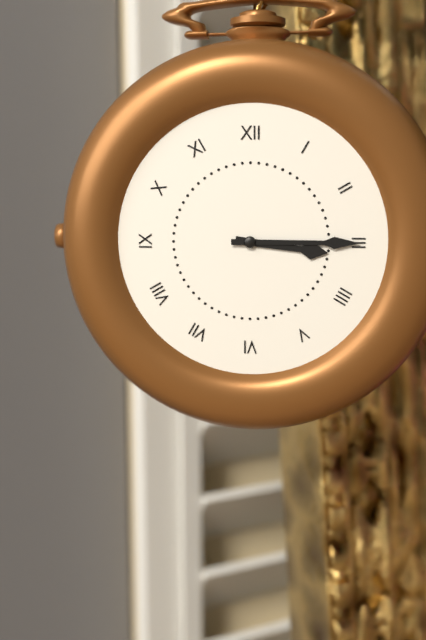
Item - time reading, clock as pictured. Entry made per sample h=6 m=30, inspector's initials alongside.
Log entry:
h=3 m=15
